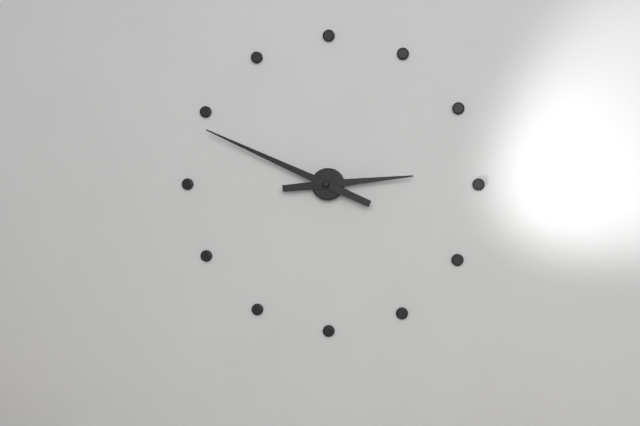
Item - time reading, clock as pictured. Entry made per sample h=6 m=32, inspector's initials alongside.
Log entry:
h=2 m=49
